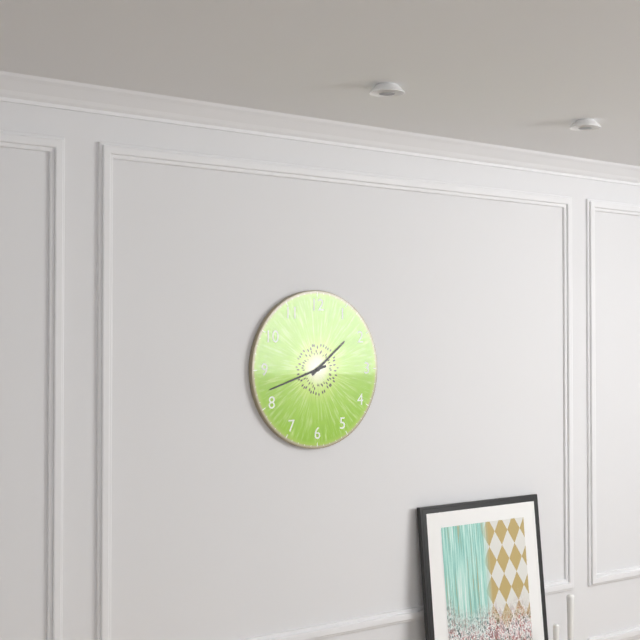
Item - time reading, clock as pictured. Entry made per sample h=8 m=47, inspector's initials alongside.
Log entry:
h=1 m=42
